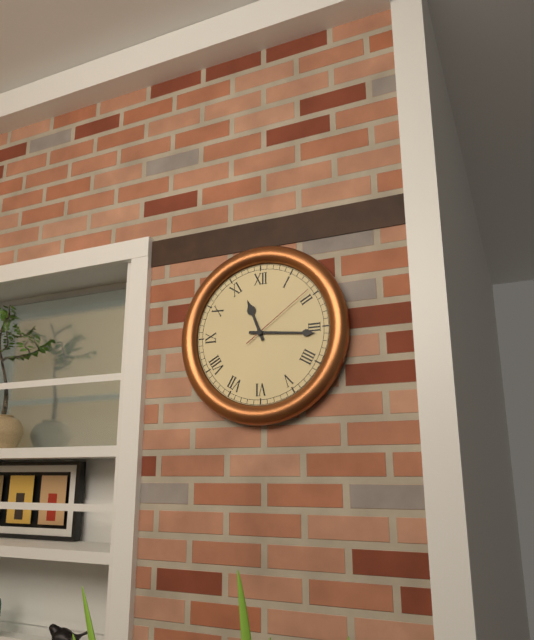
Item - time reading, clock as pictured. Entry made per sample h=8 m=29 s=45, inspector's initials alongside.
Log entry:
h=11 m=16 s=9
